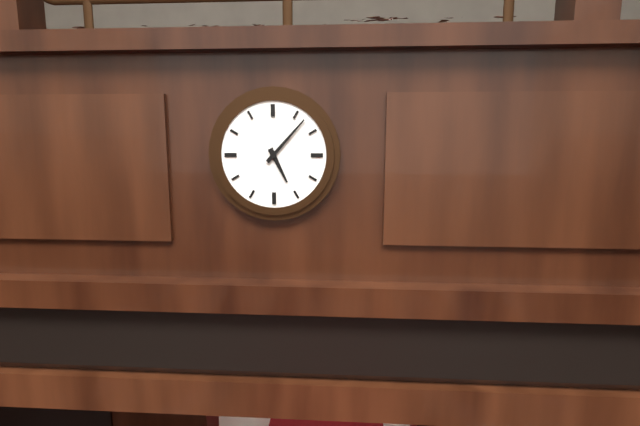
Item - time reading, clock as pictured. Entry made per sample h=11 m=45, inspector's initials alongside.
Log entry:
h=5 m=7
